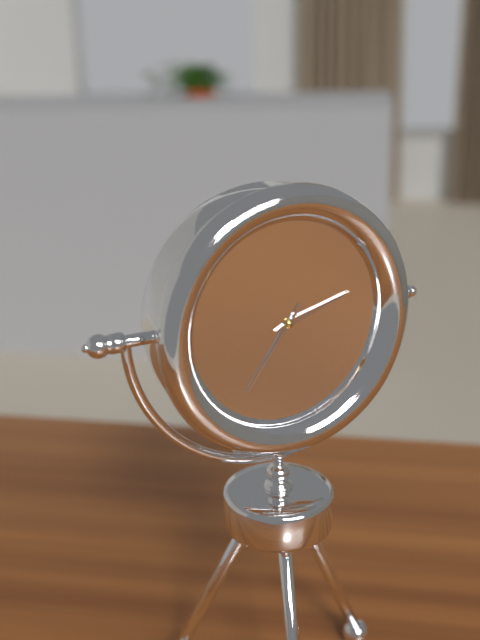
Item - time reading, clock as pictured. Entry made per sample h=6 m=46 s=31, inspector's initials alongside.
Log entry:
h=7 m=12 s=36
